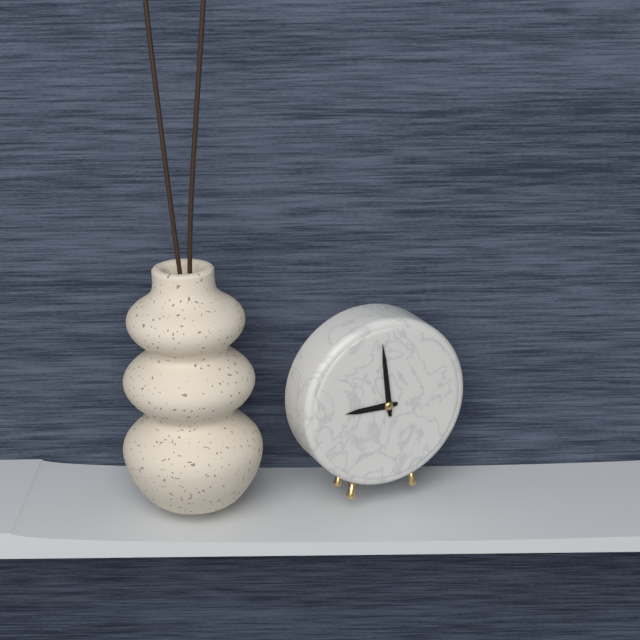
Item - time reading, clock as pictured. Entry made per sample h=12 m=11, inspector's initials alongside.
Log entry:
h=8 m=59
